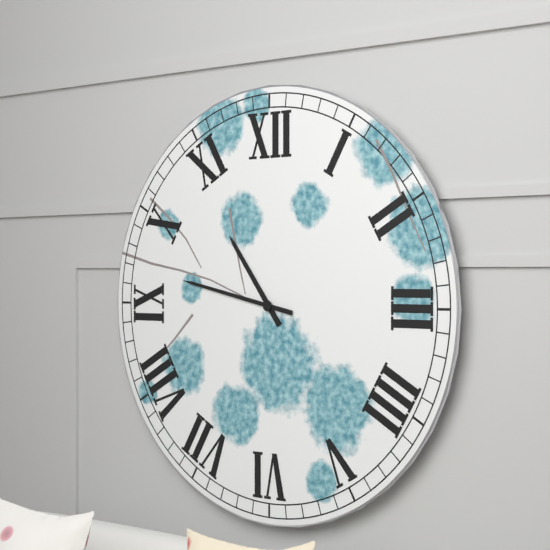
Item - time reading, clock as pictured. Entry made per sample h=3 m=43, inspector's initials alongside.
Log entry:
h=10 m=47
